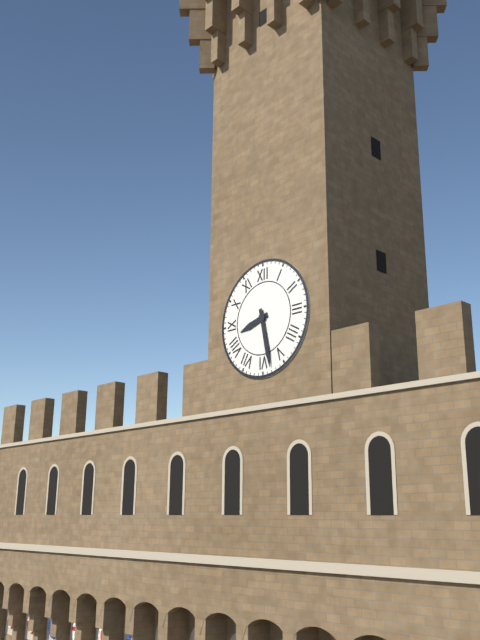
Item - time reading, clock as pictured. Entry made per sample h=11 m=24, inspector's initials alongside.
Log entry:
h=8 m=28
